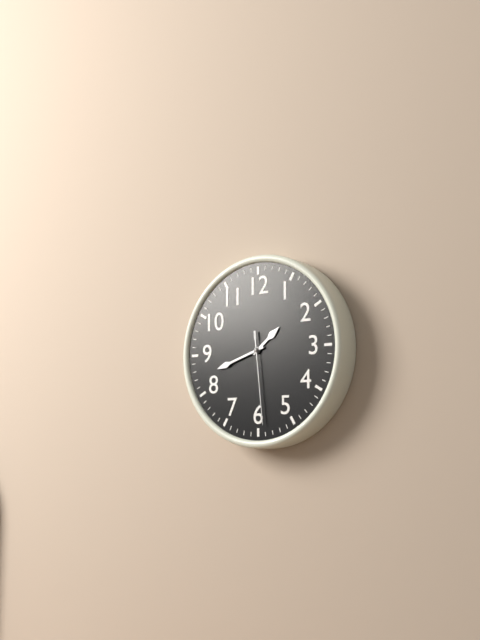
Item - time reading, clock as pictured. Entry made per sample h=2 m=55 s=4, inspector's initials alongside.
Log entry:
h=1 m=42 s=29
